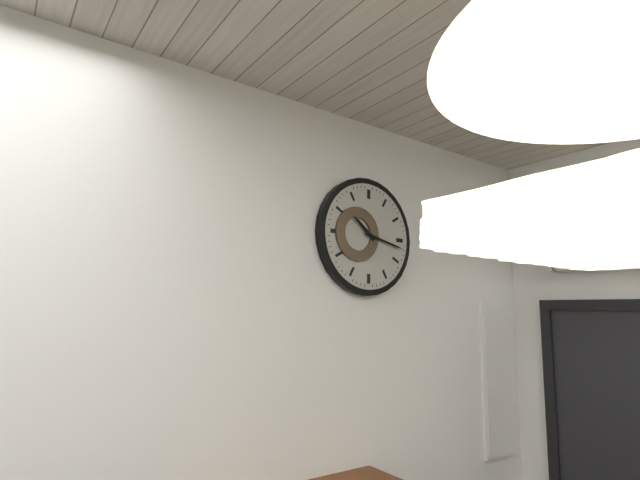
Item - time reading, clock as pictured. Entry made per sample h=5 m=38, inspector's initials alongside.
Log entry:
h=10 m=17
